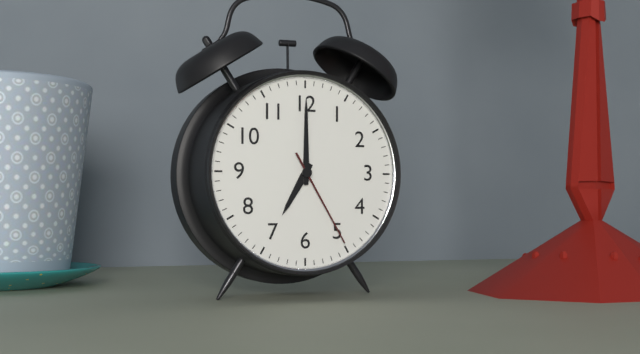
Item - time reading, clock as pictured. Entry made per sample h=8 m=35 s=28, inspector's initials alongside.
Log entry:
h=7 m=0 s=25
